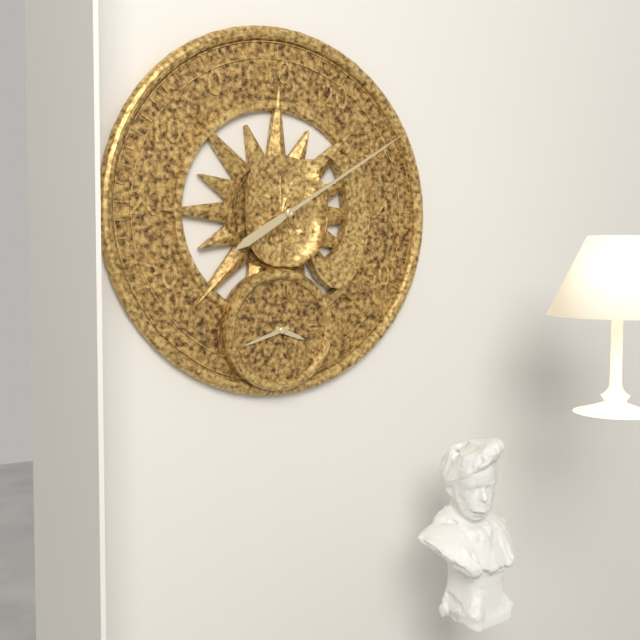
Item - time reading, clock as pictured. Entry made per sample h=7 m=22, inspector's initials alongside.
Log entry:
h=3 m=42
